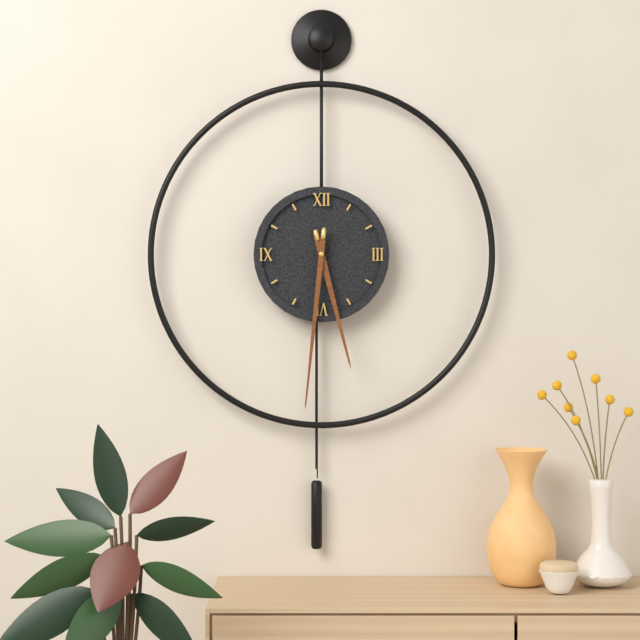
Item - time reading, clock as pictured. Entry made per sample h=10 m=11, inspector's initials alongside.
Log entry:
h=5 m=31
